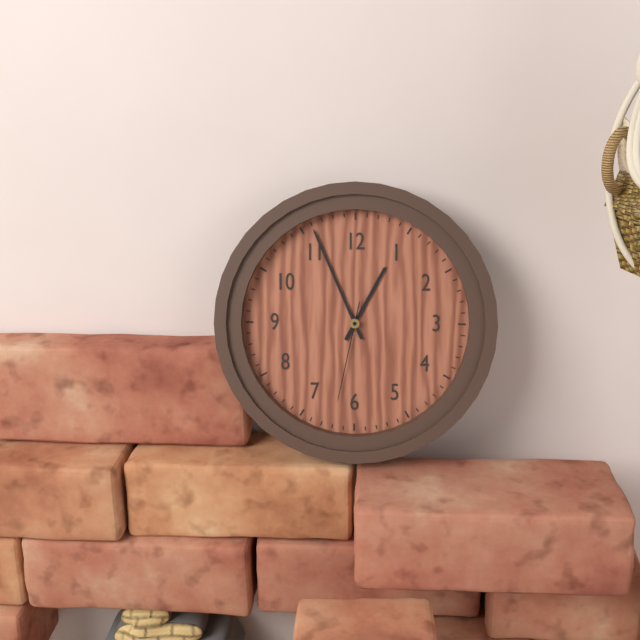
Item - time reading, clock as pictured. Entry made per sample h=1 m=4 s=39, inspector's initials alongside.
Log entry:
h=12 m=56 s=32
